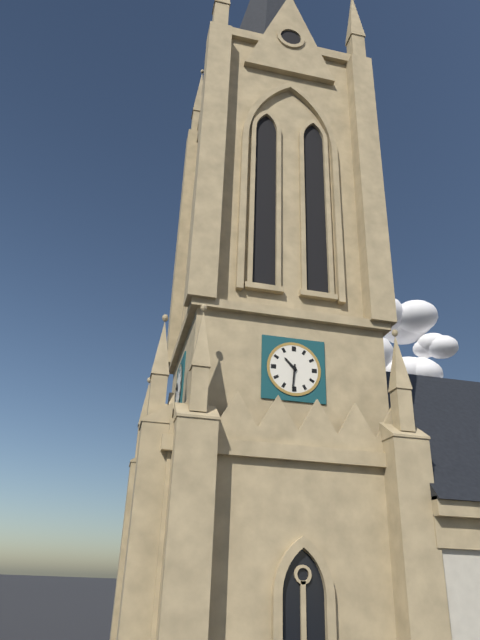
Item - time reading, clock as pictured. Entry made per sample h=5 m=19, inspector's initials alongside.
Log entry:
h=10 m=31
